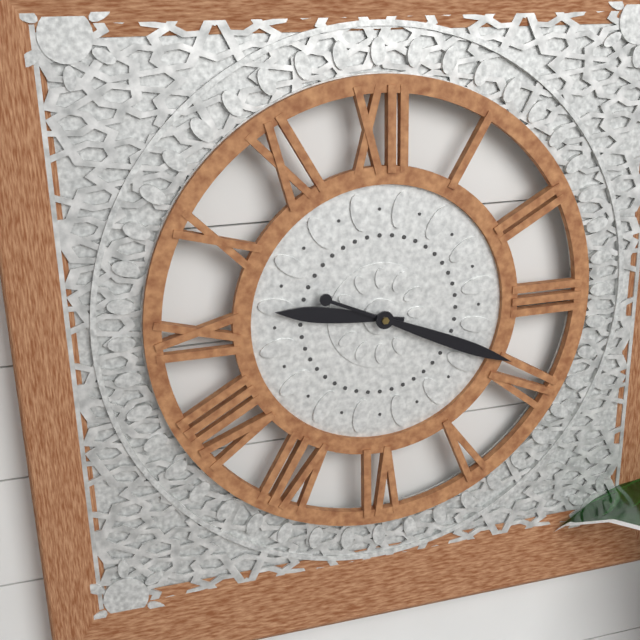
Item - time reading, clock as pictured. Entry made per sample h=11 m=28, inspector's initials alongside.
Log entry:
h=9 m=19
